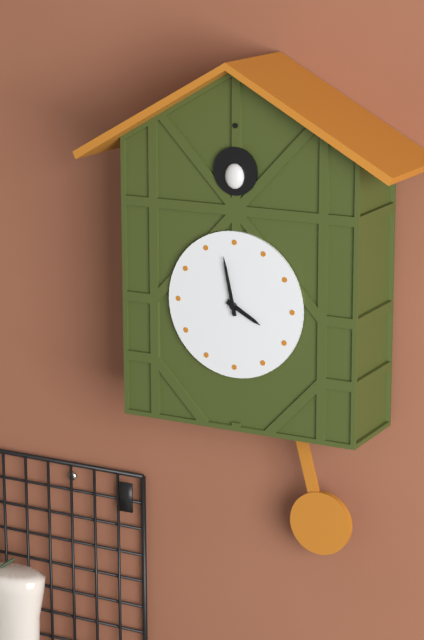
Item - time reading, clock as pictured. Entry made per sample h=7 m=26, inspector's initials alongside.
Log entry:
h=3 m=58
